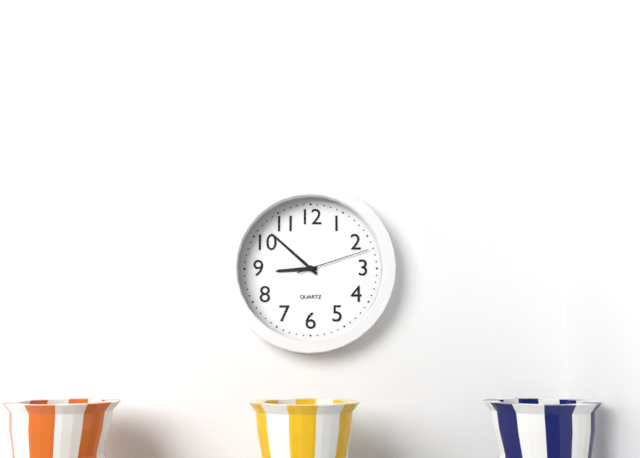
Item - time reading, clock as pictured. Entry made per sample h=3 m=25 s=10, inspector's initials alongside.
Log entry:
h=8 m=52 s=12
